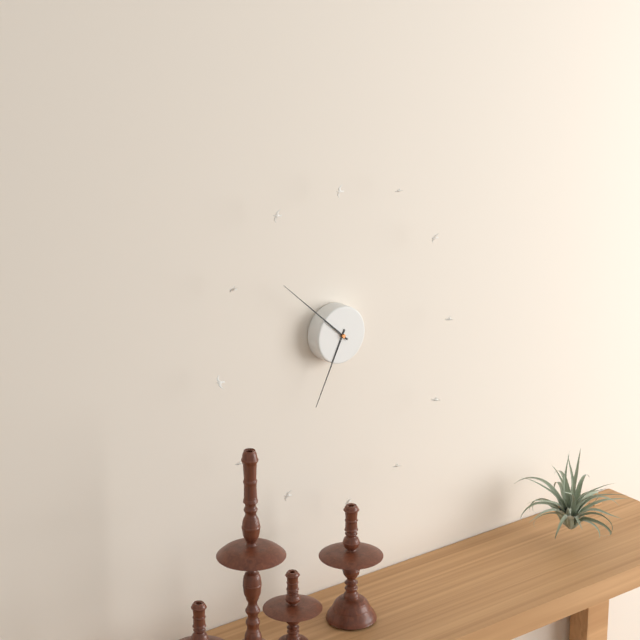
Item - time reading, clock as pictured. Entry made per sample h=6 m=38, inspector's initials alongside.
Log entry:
h=6 m=52
